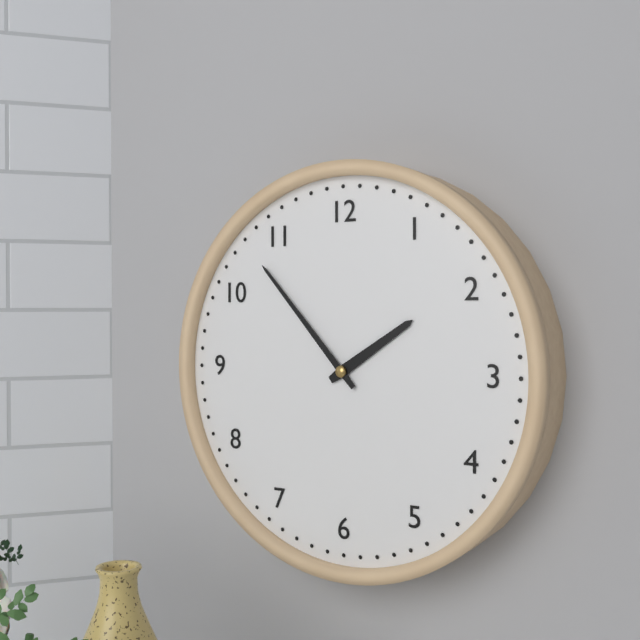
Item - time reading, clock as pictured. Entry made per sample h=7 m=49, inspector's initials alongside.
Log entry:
h=1 m=53
